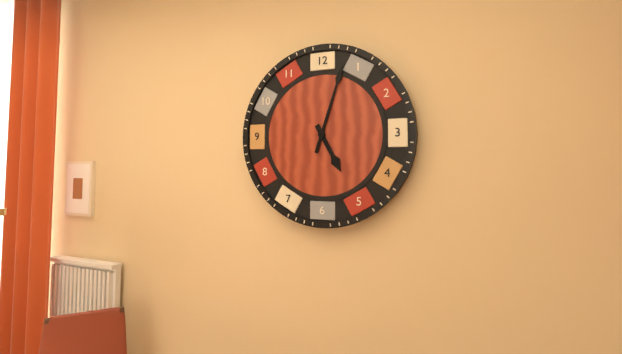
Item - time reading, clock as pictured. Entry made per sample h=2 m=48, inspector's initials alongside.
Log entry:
h=5 m=3
